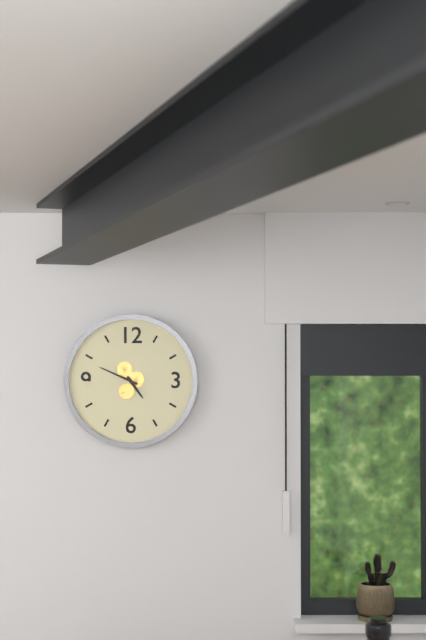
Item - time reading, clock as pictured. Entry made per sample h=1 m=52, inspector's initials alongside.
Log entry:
h=4 m=49
